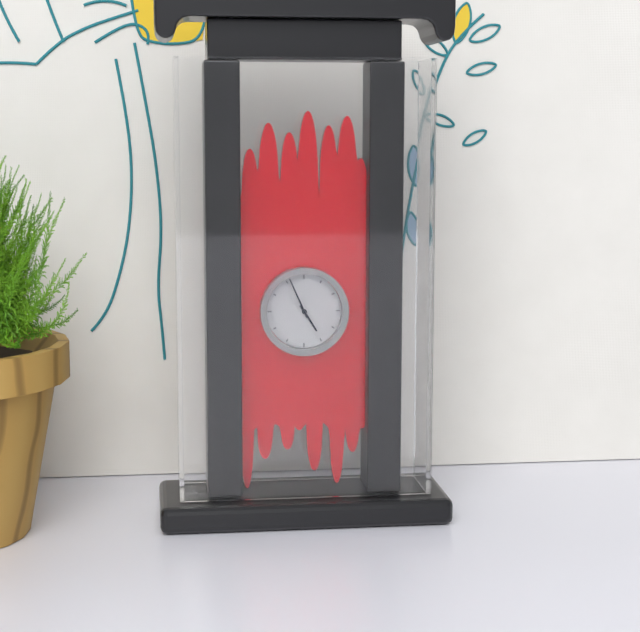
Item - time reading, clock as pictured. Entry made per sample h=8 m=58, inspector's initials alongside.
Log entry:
h=4 m=56
